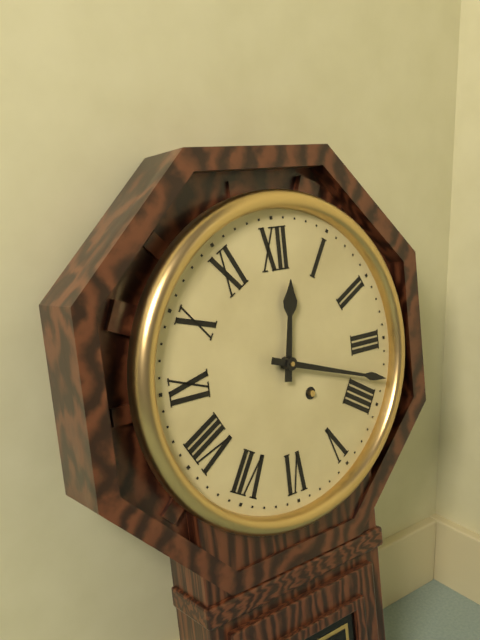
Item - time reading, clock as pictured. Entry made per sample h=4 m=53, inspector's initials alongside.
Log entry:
h=12 m=18
